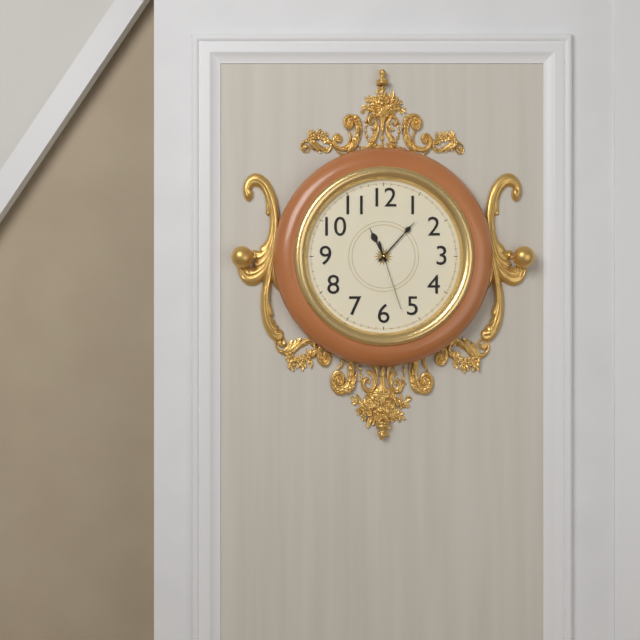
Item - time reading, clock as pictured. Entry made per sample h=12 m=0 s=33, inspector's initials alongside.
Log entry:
h=11 m=7 s=27
